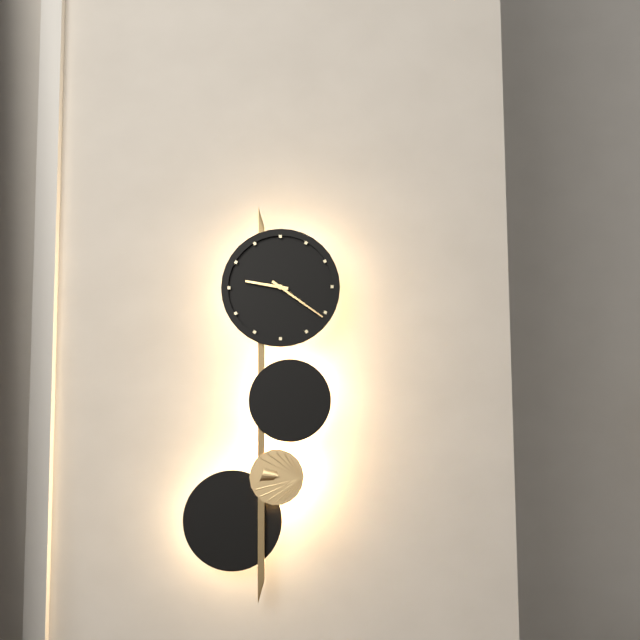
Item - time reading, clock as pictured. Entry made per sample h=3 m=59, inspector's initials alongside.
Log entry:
h=9 m=21
